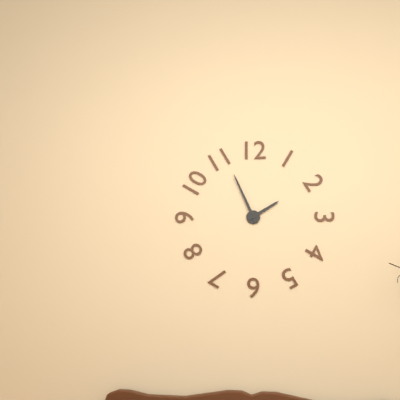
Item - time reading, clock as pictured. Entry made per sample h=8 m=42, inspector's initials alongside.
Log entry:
h=1 m=56
